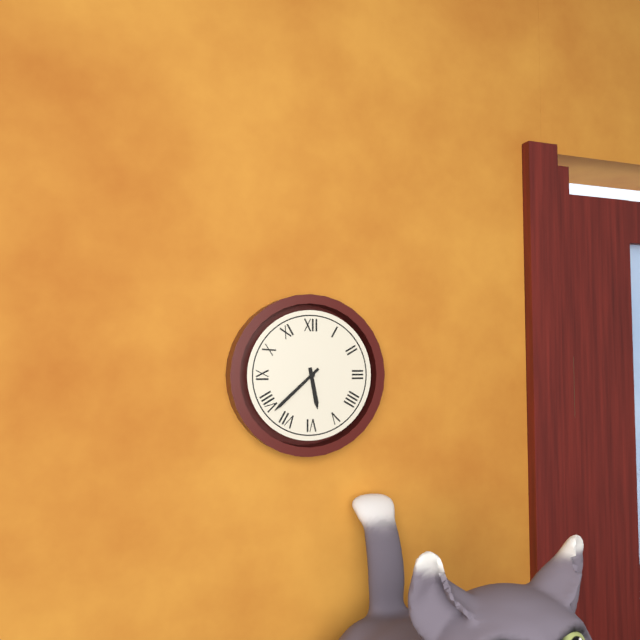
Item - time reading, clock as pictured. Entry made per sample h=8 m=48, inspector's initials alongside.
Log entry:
h=5 m=38
